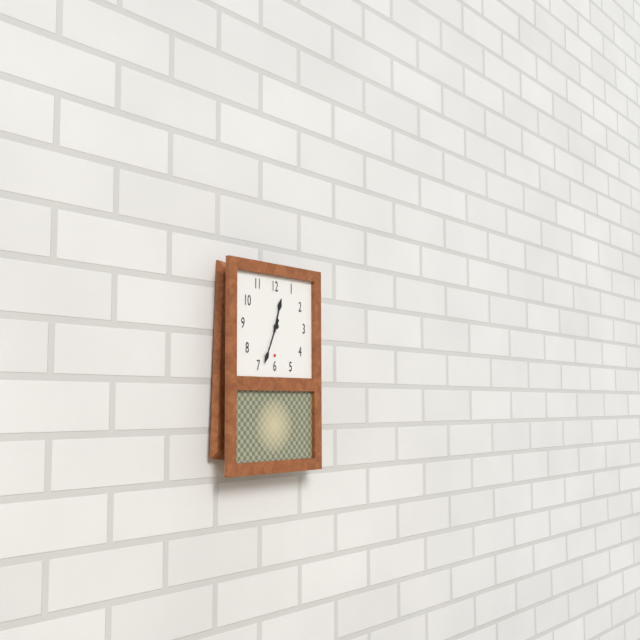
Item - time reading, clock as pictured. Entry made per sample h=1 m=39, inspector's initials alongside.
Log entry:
h=12 m=34
